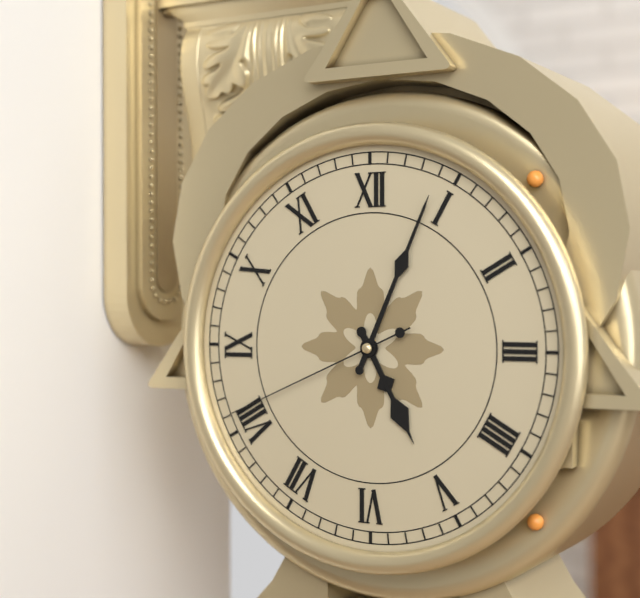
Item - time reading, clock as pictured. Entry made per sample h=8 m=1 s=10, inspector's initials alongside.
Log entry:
h=5 m=4 s=41
